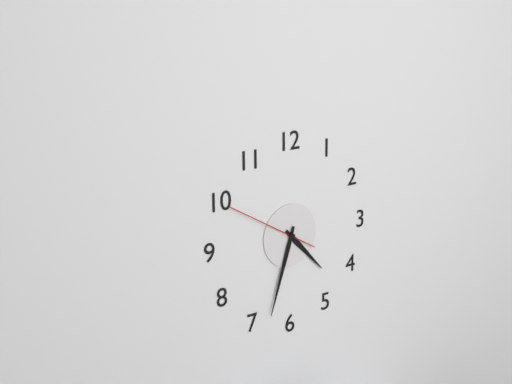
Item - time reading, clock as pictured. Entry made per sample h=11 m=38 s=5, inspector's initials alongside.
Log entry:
h=4 m=33 s=50
